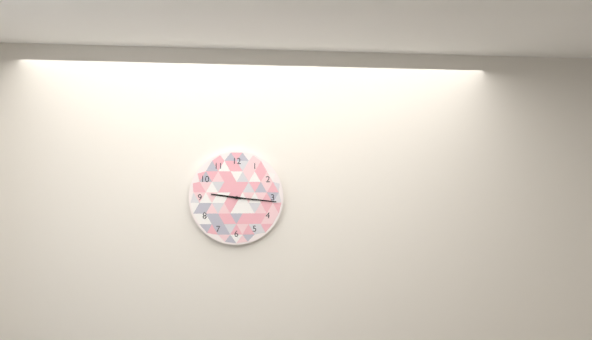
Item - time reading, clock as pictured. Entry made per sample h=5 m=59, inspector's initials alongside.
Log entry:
h=9 m=16
